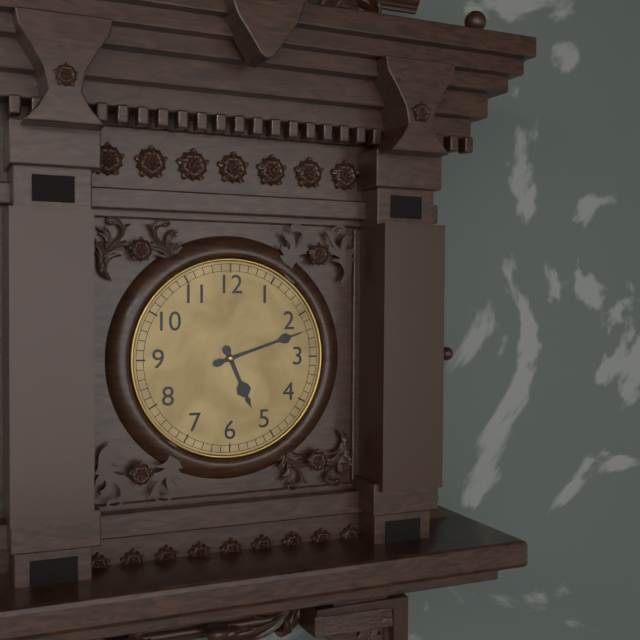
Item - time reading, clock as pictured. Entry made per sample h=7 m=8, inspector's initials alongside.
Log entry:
h=5 m=12
